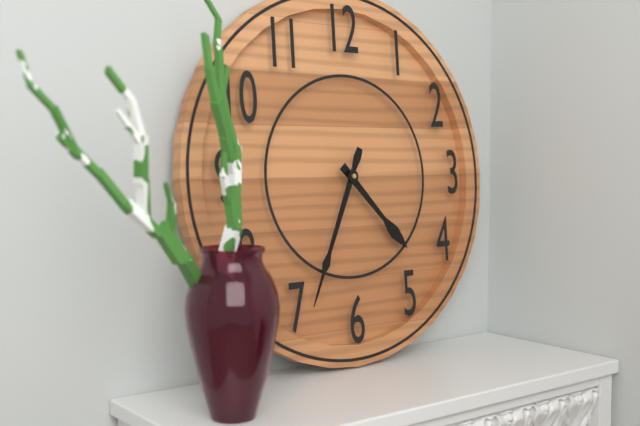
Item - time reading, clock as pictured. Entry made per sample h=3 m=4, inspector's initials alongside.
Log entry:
h=4 m=34
